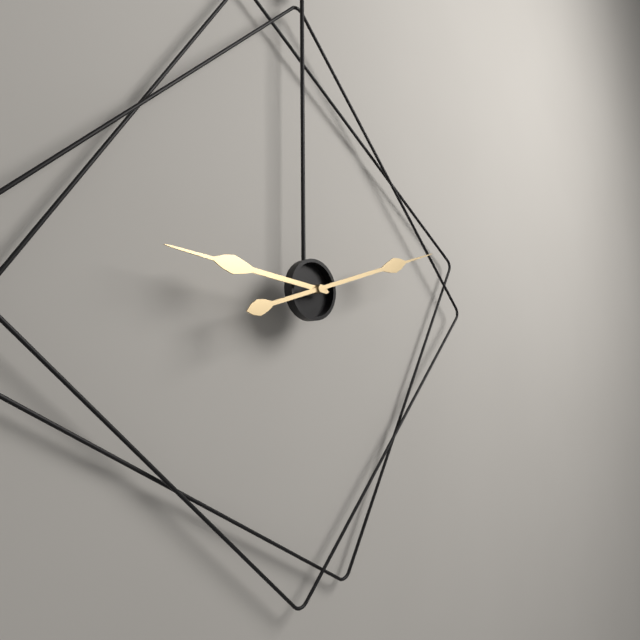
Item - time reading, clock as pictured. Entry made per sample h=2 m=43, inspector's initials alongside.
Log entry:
h=9 m=12
